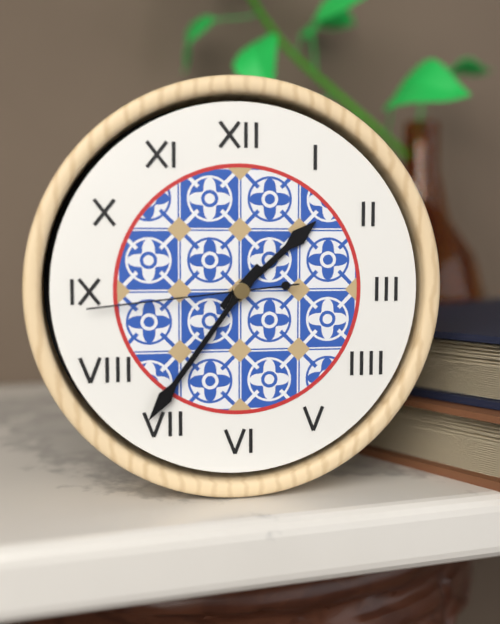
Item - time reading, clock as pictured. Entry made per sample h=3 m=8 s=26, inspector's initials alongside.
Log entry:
h=1 m=36 s=44
